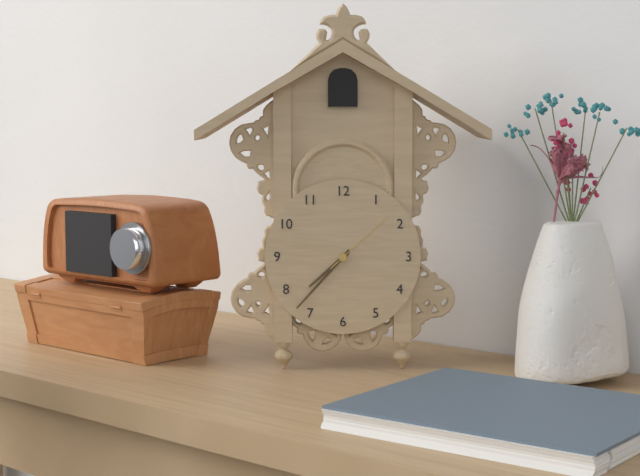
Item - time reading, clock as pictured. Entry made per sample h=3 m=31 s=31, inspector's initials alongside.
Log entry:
h=7 m=37 s=8
